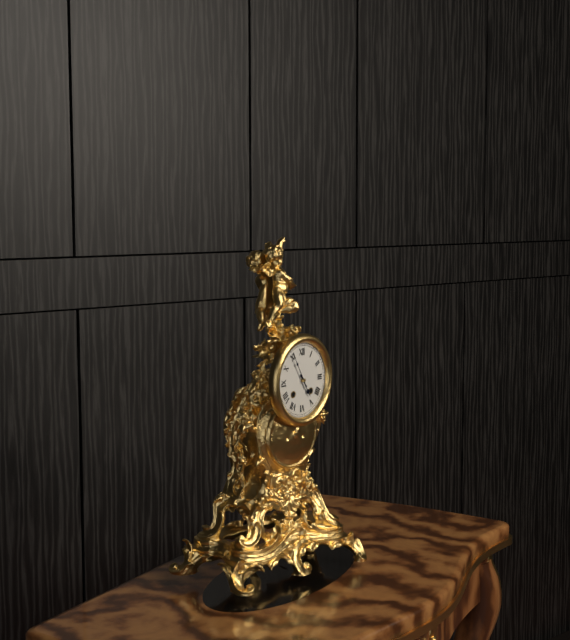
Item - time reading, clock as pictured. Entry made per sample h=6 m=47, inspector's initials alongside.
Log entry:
h=4 m=55
